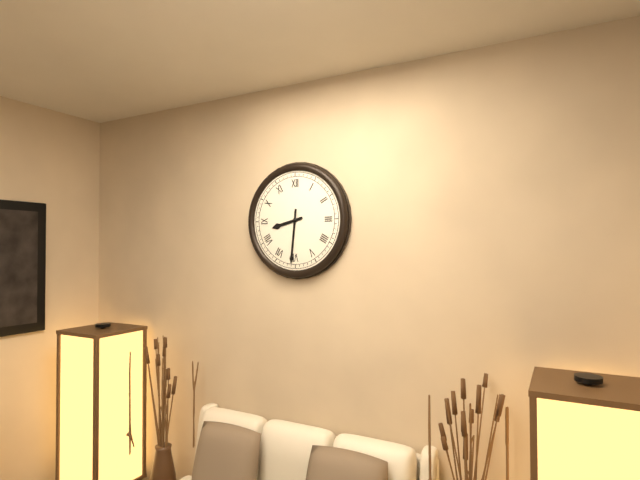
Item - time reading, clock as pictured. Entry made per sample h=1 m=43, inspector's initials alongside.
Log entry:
h=8 m=31
